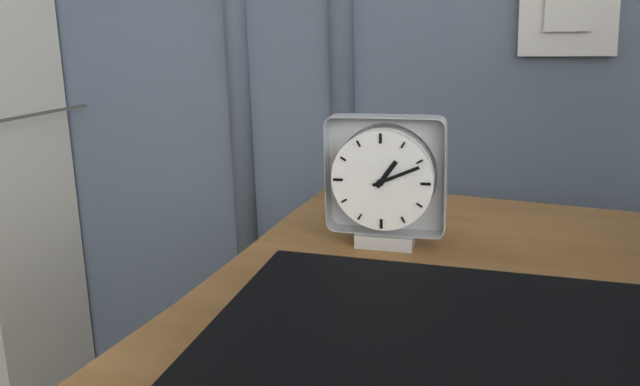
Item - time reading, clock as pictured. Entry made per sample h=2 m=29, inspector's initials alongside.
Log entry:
h=1 m=11
